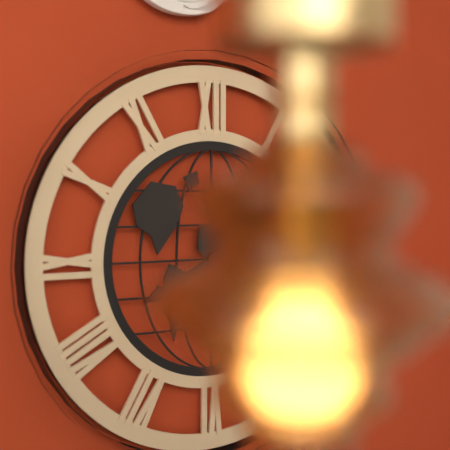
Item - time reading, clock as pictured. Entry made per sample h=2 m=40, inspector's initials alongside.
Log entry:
h=8 m=6
